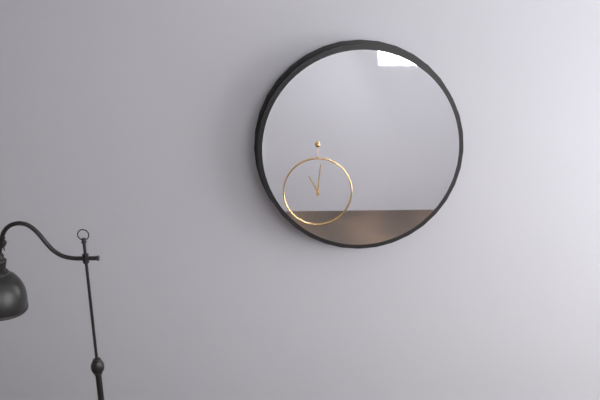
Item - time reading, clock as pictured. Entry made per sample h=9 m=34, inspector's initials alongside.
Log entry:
h=11 m=1
